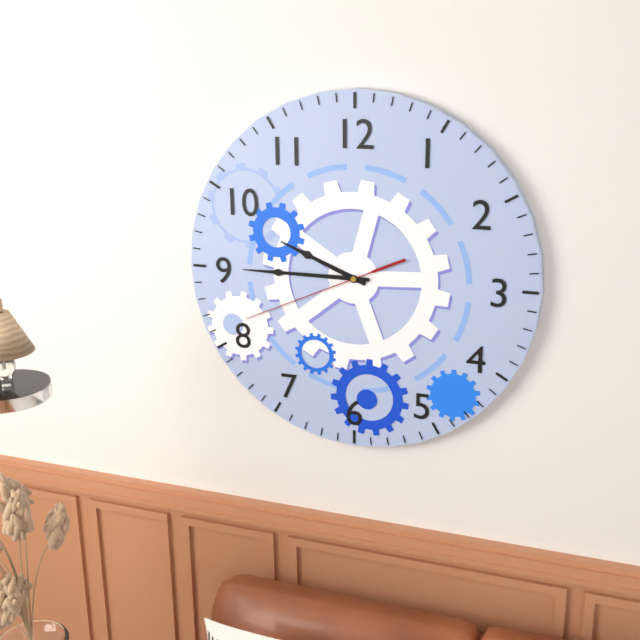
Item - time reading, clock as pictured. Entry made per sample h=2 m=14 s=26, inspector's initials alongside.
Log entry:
h=9 m=45 s=41
